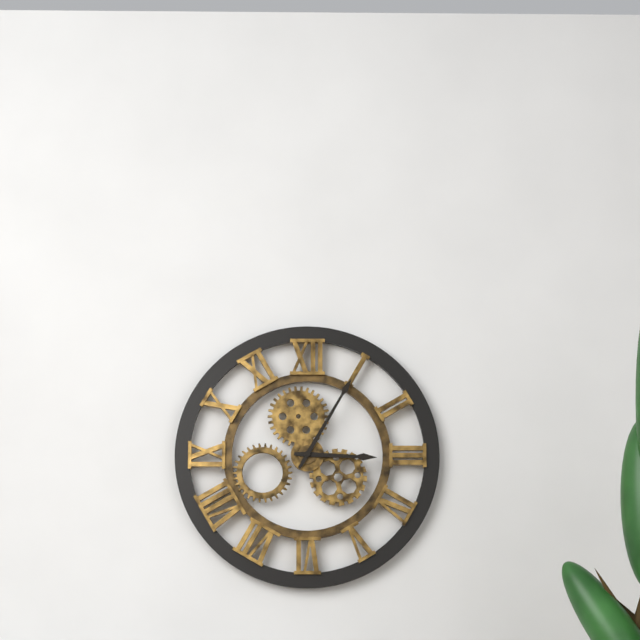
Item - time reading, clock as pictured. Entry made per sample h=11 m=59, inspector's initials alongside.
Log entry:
h=3 m=5
